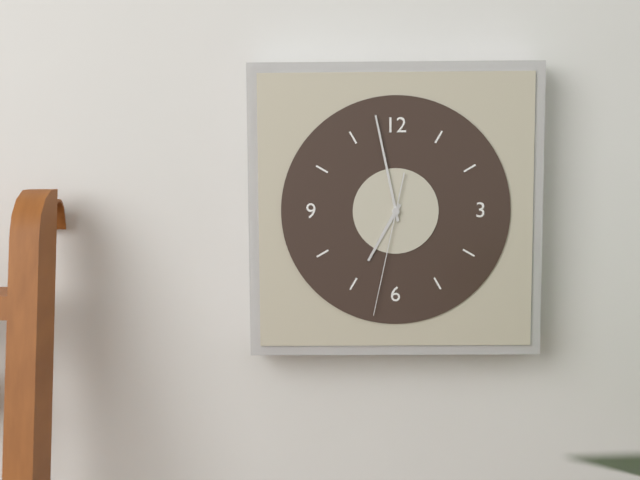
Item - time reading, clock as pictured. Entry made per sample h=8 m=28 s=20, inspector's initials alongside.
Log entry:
h=6 m=58 s=32
